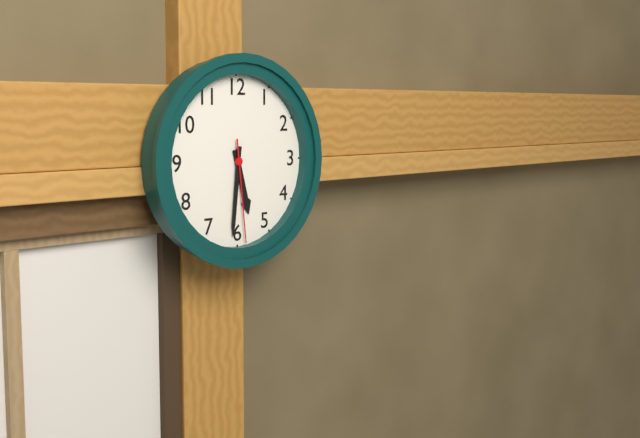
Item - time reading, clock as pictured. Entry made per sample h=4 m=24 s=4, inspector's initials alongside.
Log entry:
h=5 m=31 s=29
